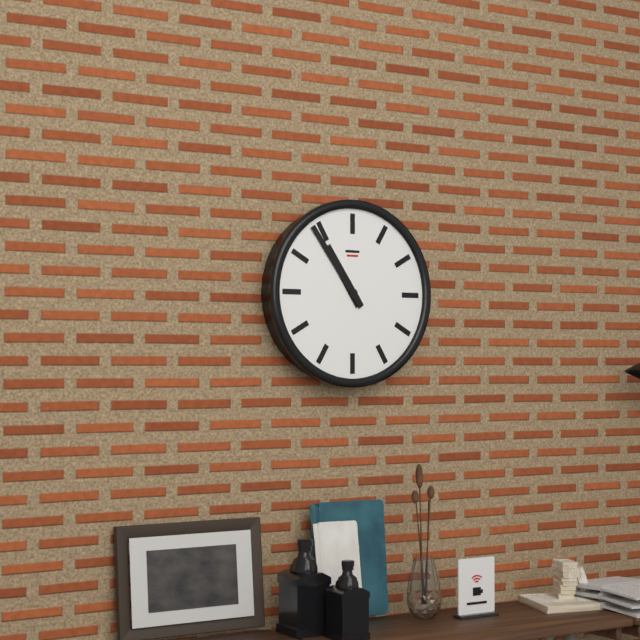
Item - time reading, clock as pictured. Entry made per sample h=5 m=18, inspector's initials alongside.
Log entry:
h=10 m=54
